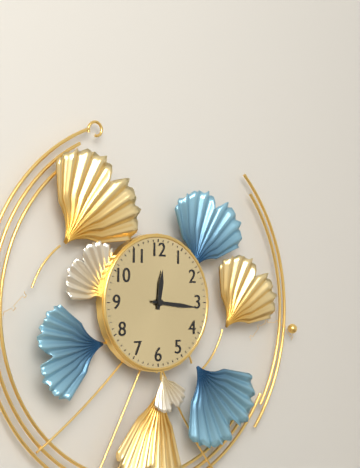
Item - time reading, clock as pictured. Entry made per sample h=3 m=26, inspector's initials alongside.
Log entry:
h=12 m=16
